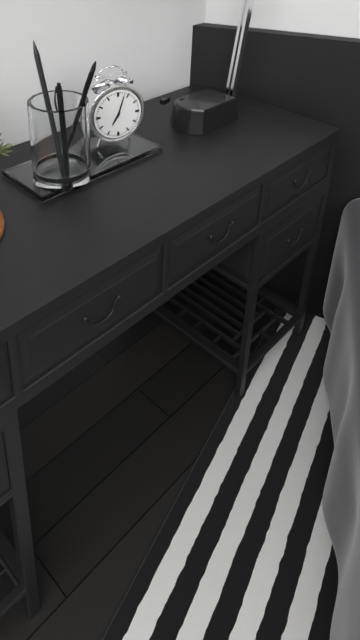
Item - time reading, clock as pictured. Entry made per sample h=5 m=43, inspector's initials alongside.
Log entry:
h=7 m=3
